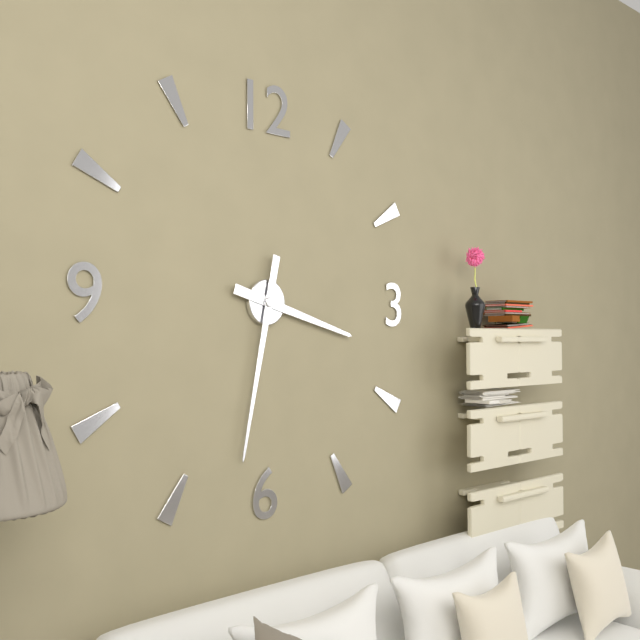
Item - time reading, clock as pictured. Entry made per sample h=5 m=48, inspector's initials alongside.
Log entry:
h=3 m=32
